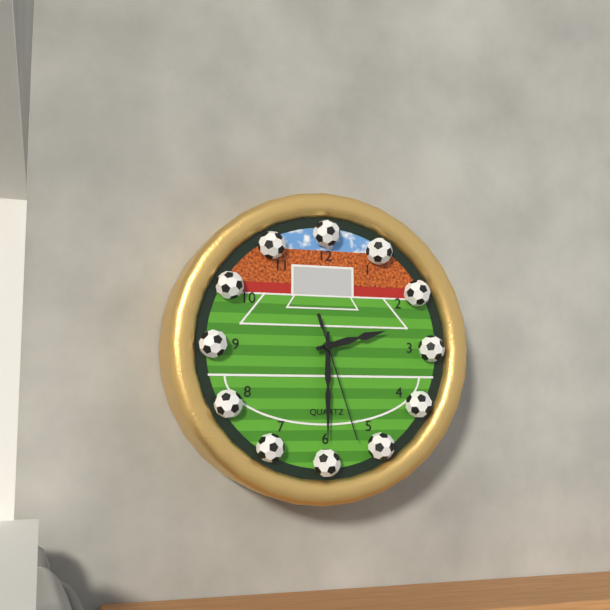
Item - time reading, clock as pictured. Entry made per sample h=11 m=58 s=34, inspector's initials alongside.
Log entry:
h=2 m=30 s=27
